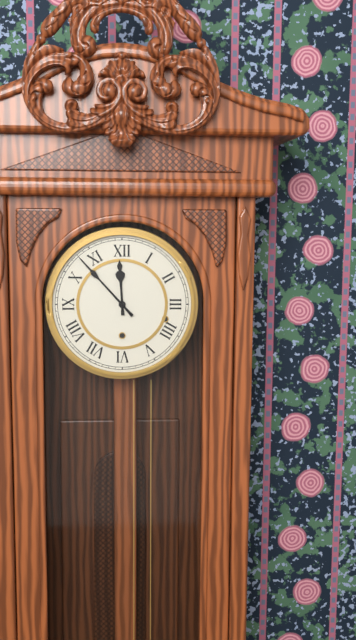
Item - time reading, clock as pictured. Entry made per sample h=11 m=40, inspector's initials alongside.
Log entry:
h=11 m=53
